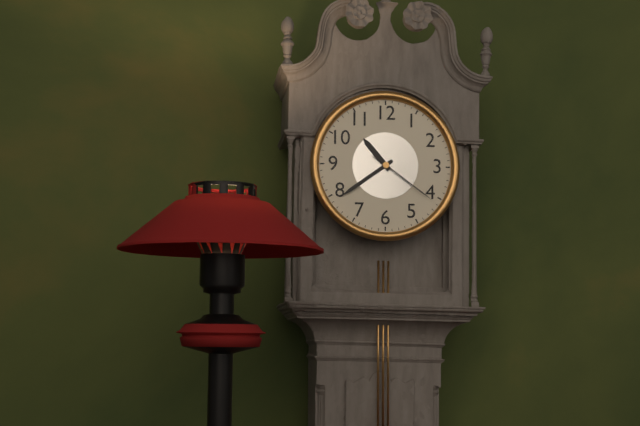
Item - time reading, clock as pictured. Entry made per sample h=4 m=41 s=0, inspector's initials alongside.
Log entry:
h=10 m=39 s=21
